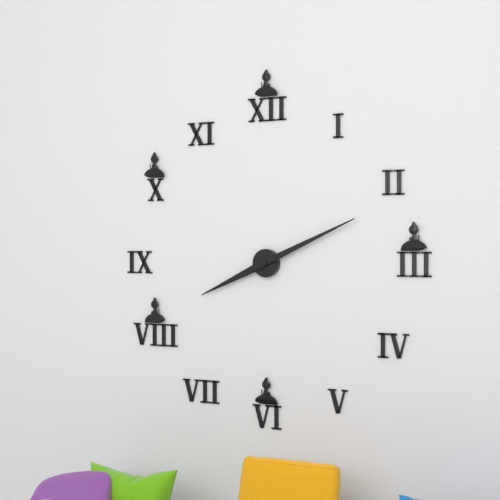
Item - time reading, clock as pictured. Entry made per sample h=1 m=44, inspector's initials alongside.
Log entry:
h=8 m=11
